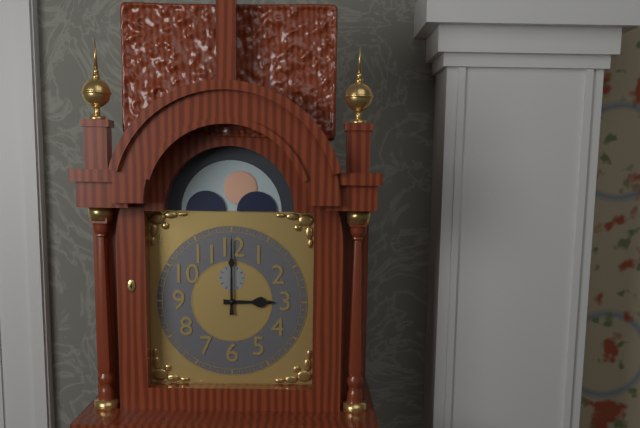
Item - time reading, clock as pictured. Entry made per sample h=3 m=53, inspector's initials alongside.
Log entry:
h=3 m=0
